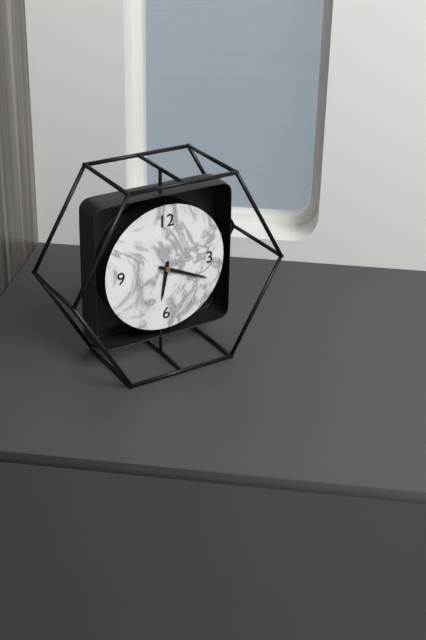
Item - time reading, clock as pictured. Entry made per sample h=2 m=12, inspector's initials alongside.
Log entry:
h=6 m=19
